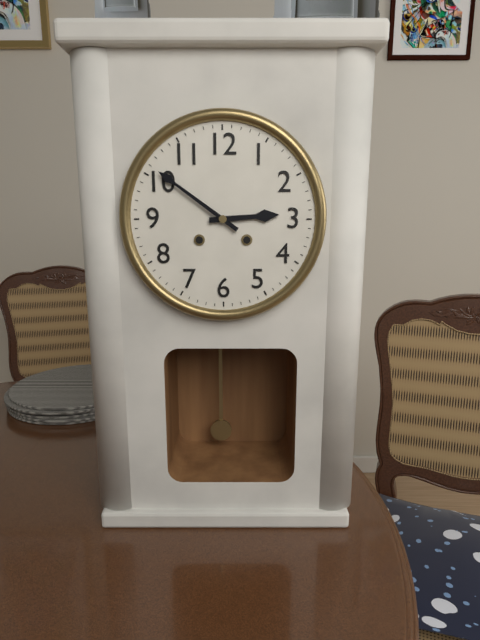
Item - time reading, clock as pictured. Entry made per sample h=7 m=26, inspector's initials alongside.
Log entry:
h=2 m=51
